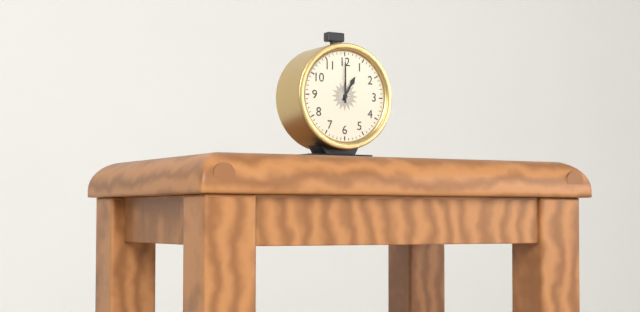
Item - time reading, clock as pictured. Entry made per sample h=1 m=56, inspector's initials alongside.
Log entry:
h=1 m=0
